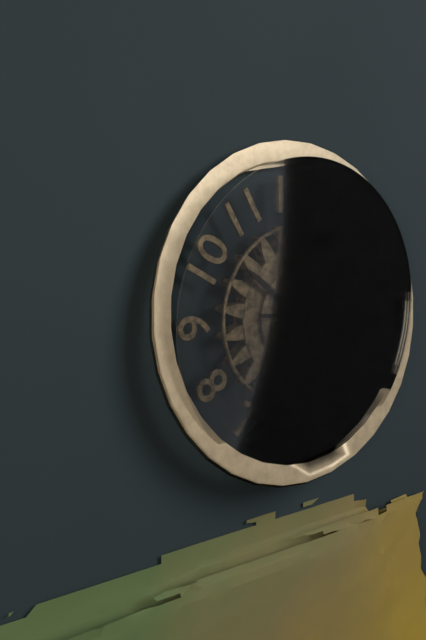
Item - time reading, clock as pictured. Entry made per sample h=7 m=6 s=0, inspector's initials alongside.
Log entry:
h=10 m=16 s=16
